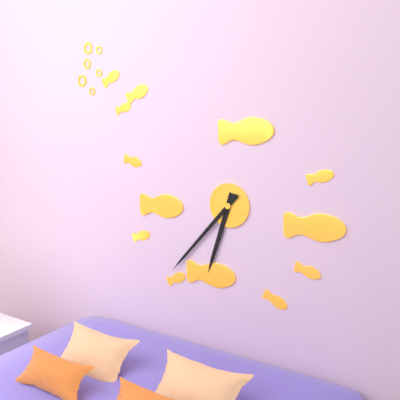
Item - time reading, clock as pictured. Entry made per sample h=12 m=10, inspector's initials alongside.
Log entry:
h=6 m=37
